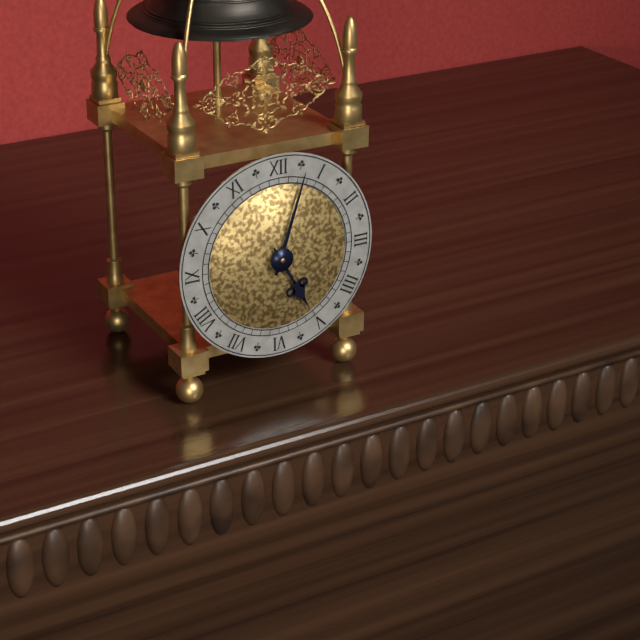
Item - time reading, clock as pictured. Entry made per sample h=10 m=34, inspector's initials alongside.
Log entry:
h=5 m=3
